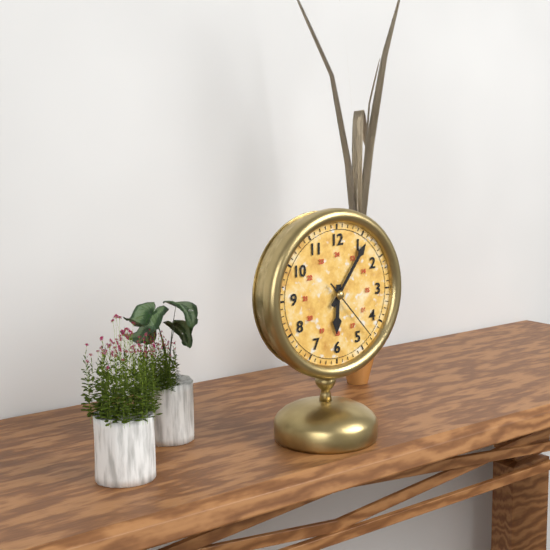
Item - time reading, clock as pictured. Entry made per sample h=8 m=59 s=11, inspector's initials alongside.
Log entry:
h=6 m=6 s=23
